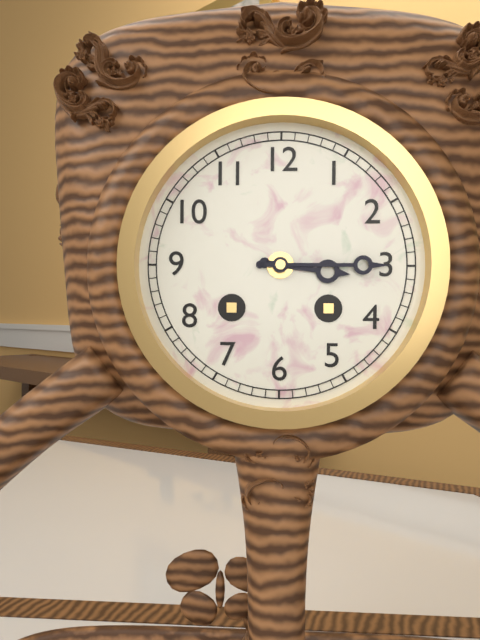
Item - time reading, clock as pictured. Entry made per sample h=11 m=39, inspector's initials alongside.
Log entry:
h=3 m=15
